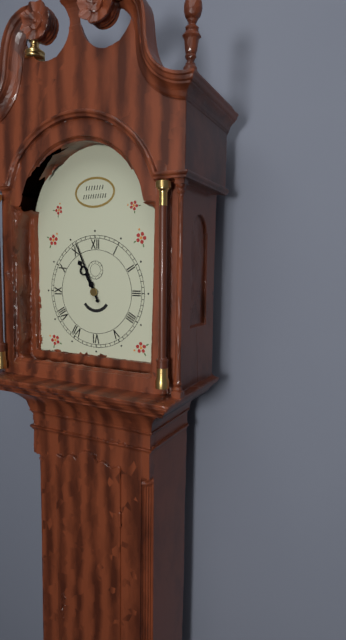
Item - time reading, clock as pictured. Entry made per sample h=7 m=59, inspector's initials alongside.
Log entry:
h=10 m=56
